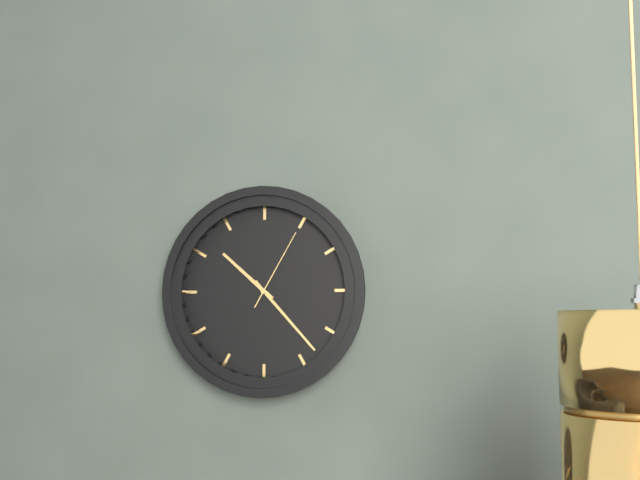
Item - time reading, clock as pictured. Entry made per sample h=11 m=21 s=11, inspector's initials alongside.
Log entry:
h=10 m=23 s=5
